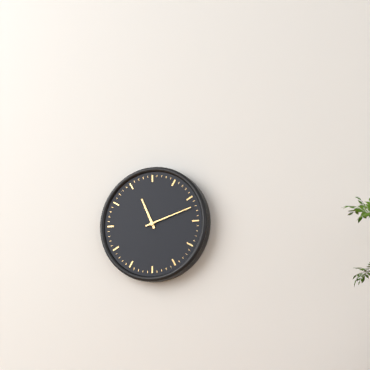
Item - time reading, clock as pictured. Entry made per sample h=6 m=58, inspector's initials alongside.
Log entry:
h=11 m=12
